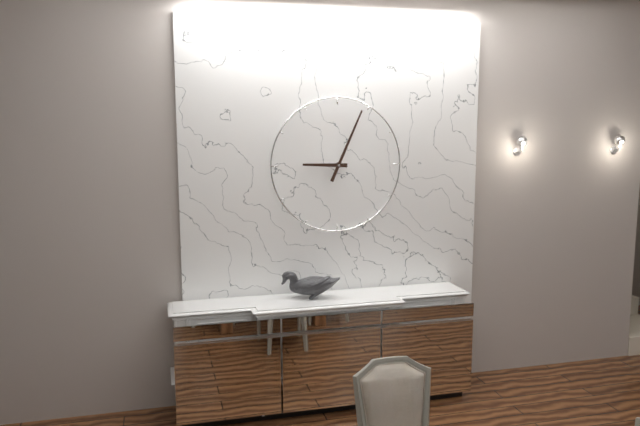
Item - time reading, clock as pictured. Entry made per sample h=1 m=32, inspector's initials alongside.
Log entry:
h=9 m=4
